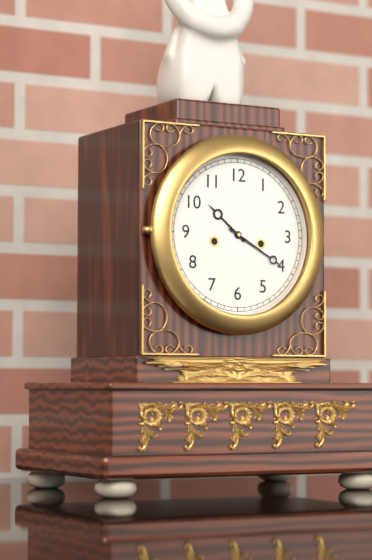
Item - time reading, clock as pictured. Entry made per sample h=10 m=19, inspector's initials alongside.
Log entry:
h=10 m=20
